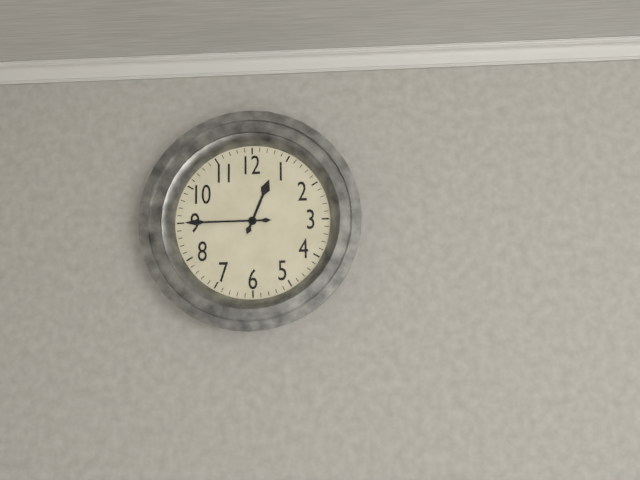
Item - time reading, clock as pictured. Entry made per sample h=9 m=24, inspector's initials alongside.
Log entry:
h=12 m=45
